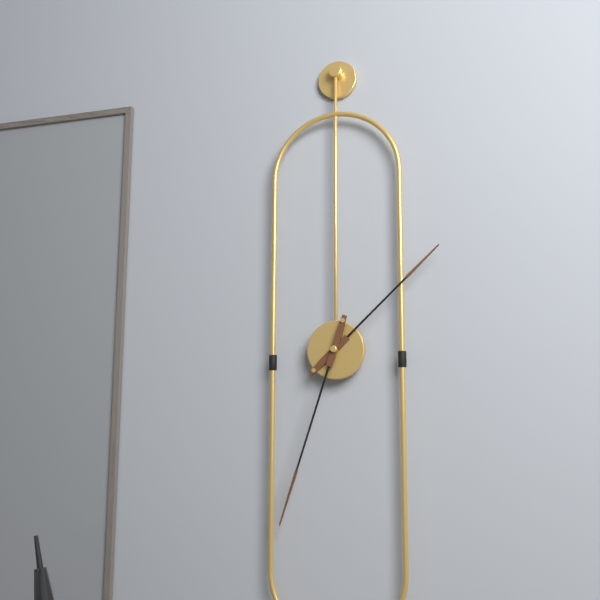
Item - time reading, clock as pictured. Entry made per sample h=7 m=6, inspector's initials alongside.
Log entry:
h=1 m=33
